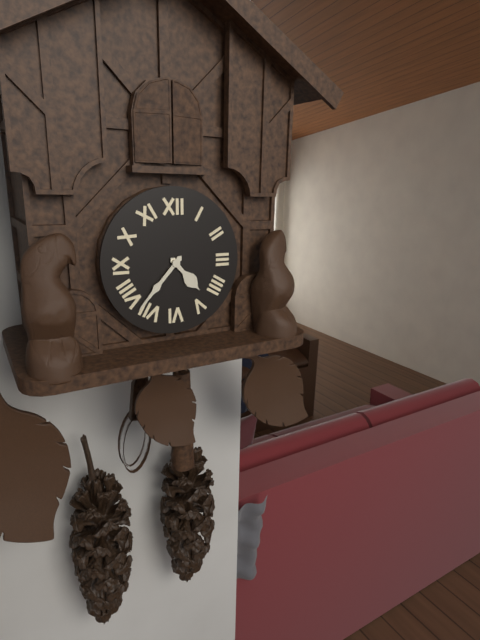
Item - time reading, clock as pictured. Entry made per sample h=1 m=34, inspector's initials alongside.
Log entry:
h=4 m=37
